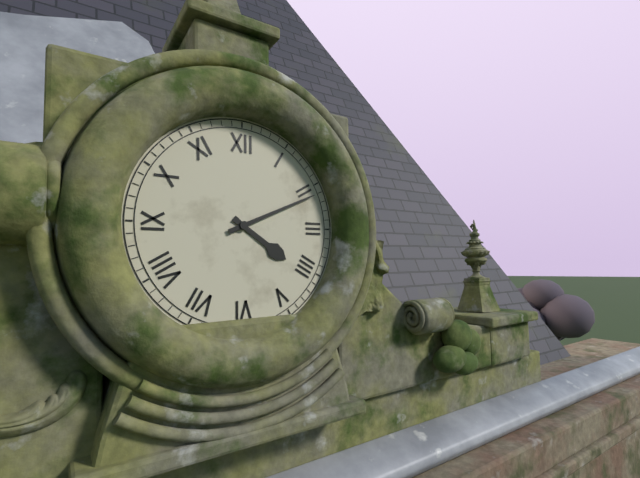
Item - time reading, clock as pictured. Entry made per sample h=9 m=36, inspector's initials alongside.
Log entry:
h=4 m=11
